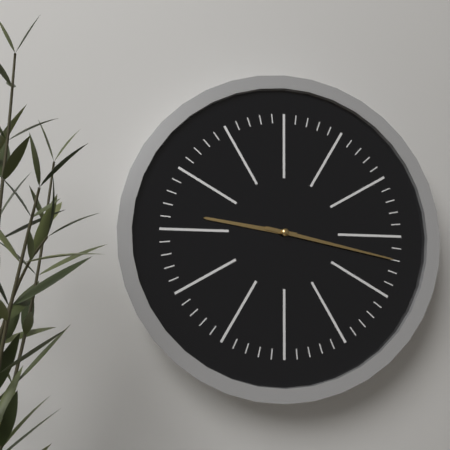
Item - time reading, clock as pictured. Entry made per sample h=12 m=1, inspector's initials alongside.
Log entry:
h=9 m=17
